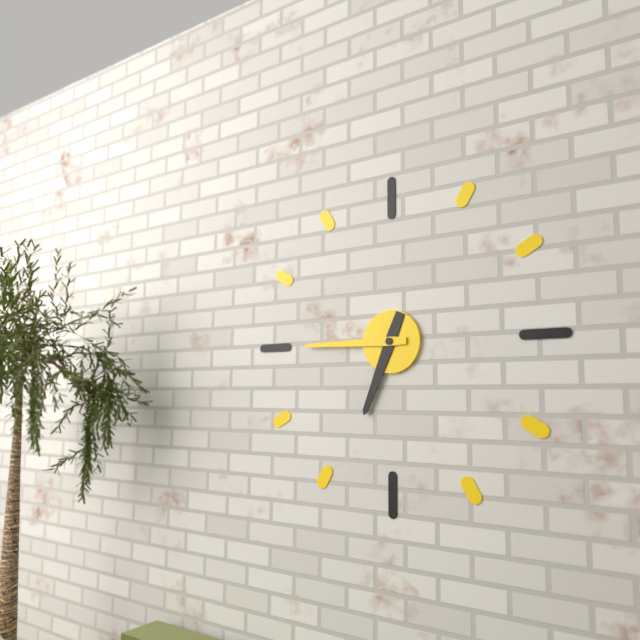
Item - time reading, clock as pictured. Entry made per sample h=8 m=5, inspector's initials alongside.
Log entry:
h=6 m=45
